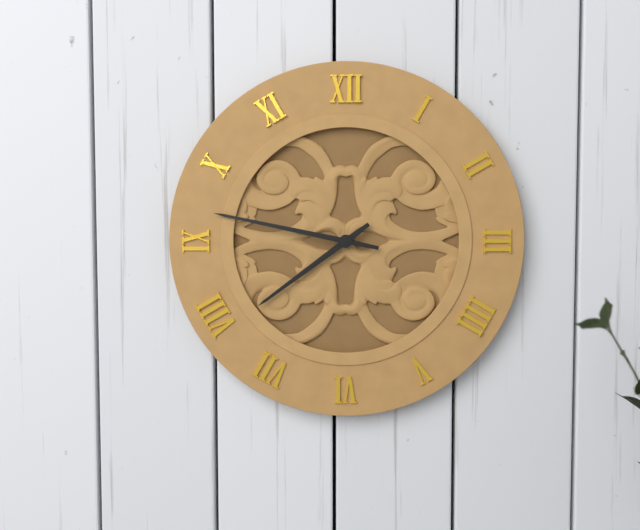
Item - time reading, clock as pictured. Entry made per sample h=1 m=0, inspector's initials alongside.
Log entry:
h=7 m=47
